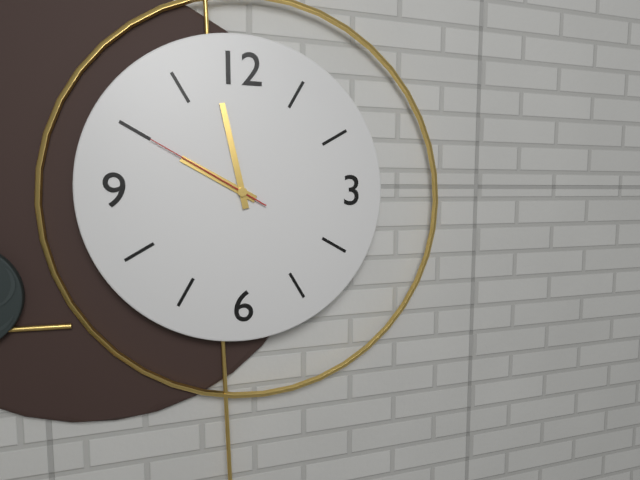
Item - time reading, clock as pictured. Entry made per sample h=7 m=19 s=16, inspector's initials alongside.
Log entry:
h=9 m=58 s=50
